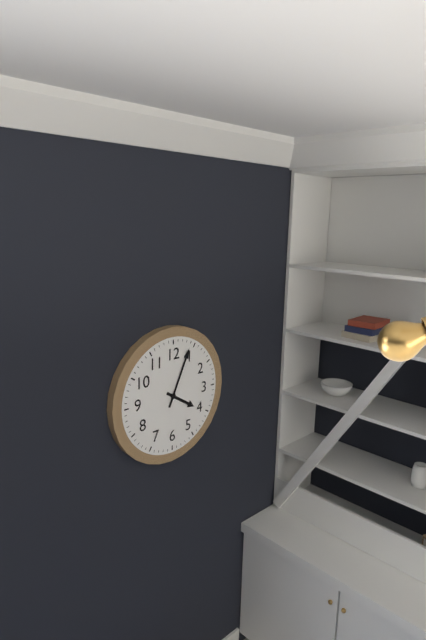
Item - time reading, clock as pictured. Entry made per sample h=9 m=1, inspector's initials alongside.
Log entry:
h=4 m=4
